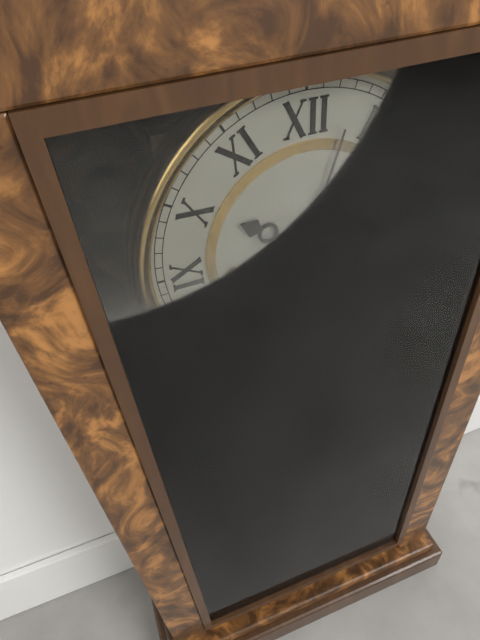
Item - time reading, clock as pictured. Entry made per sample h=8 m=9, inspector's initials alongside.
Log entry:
h=10 m=3
